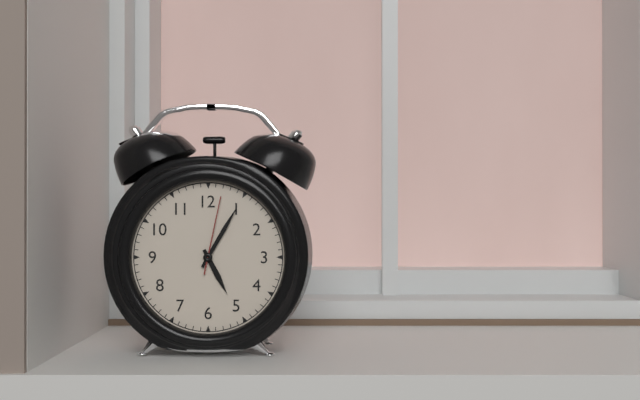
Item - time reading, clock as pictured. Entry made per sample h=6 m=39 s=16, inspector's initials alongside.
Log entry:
h=5 m=5 s=2
